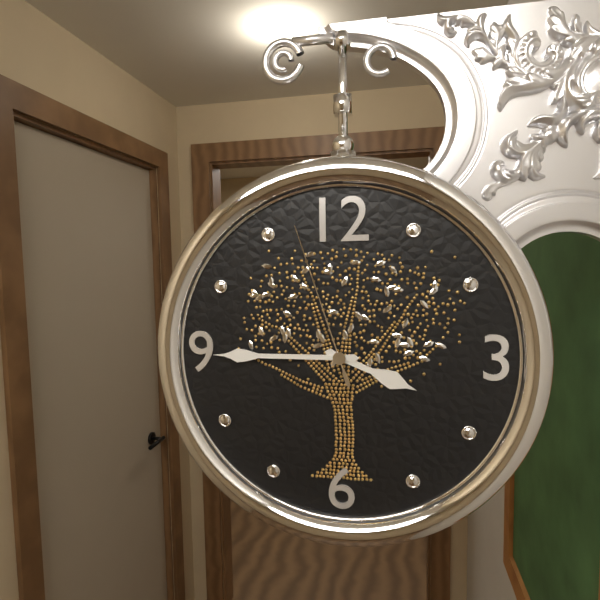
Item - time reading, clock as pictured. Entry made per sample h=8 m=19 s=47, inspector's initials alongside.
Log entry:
h=3 m=45 s=57
